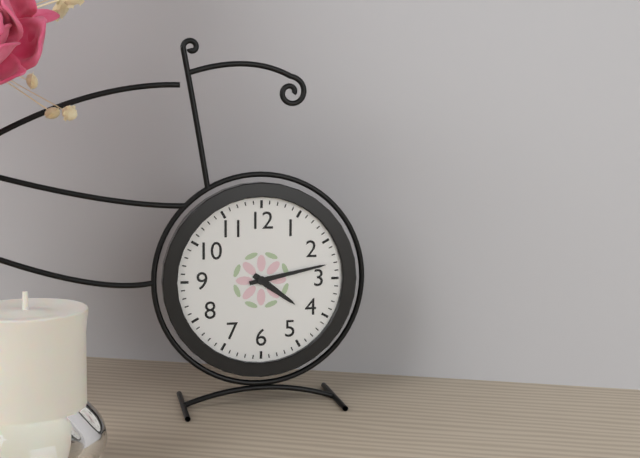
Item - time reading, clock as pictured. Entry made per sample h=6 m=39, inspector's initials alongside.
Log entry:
h=4 m=13
